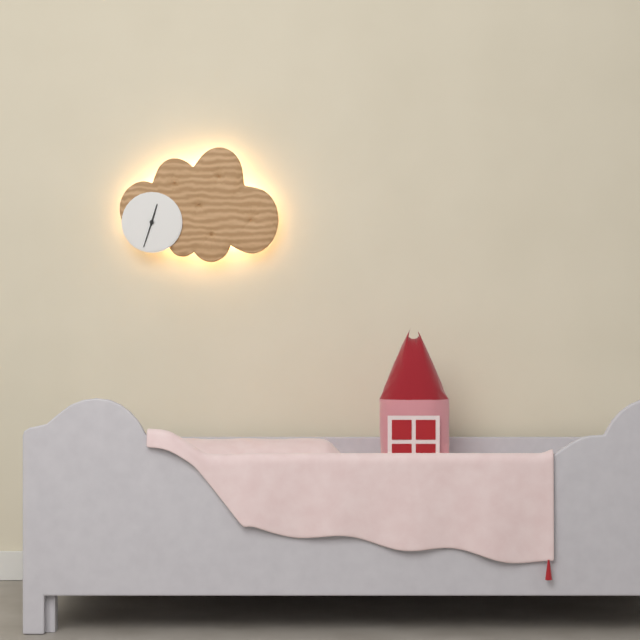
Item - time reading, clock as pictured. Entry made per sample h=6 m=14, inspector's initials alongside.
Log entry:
h=12 m=33
